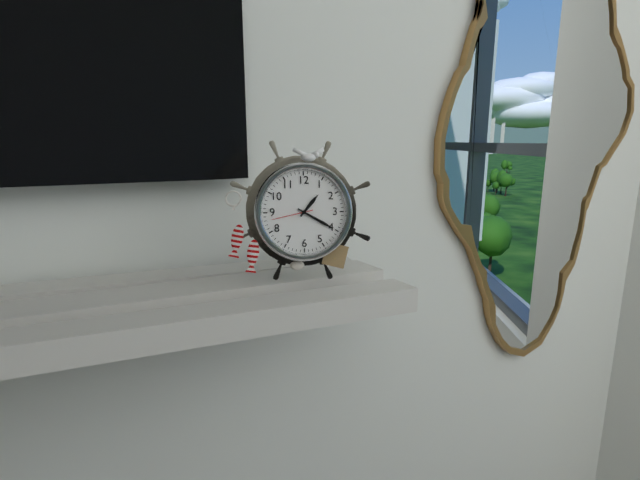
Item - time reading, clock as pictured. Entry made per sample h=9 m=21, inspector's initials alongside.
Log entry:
h=1 m=20
